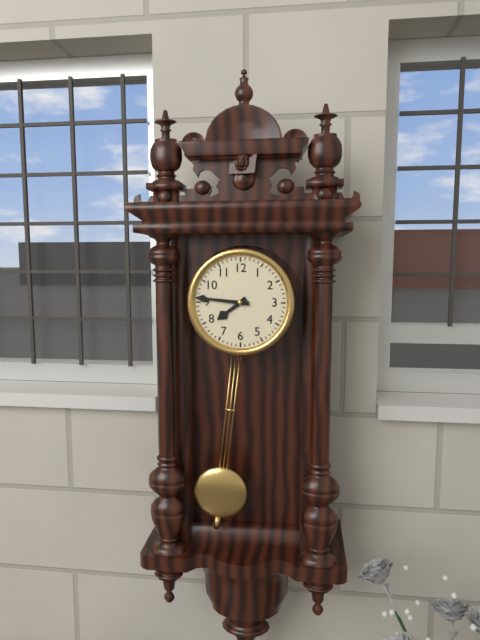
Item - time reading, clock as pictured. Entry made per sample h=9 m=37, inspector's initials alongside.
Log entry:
h=7 m=46
